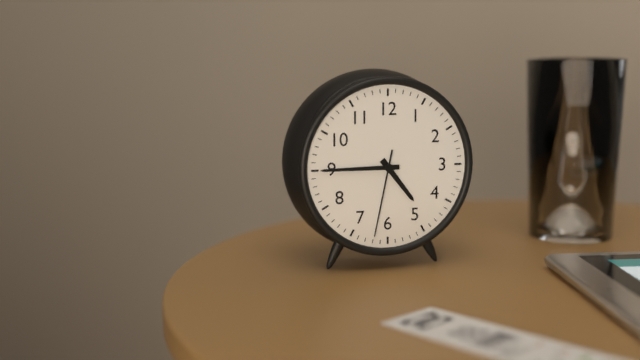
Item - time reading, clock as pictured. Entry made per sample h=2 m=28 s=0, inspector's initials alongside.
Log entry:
h=4 m=45 s=32
